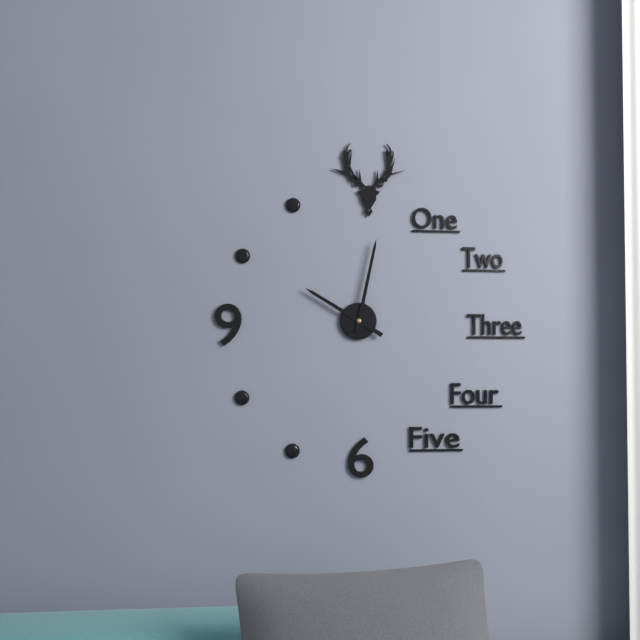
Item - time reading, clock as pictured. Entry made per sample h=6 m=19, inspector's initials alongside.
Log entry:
h=10 m=2
